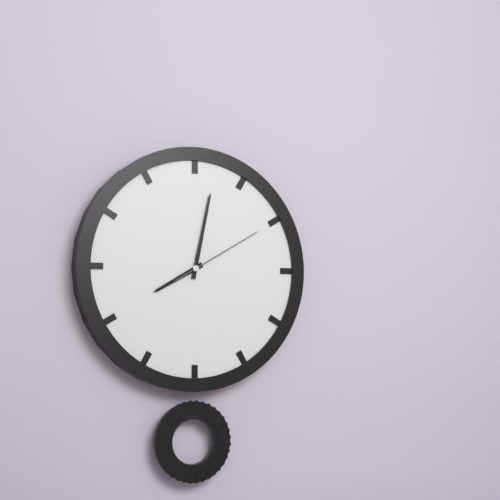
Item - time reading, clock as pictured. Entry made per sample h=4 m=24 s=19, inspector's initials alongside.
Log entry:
h=8 m=2 s=10
